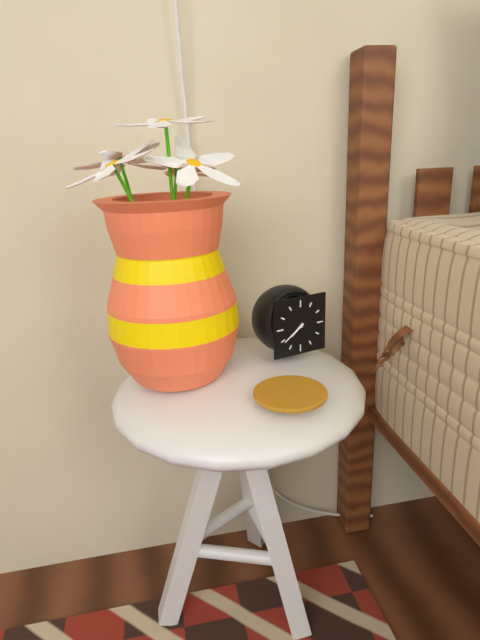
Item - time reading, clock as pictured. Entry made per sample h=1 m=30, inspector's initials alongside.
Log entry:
h=7 m=39
